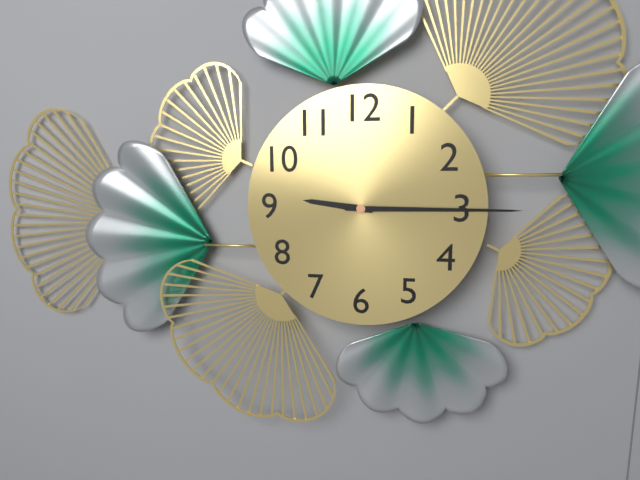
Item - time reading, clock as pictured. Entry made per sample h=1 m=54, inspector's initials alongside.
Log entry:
h=9 m=15
